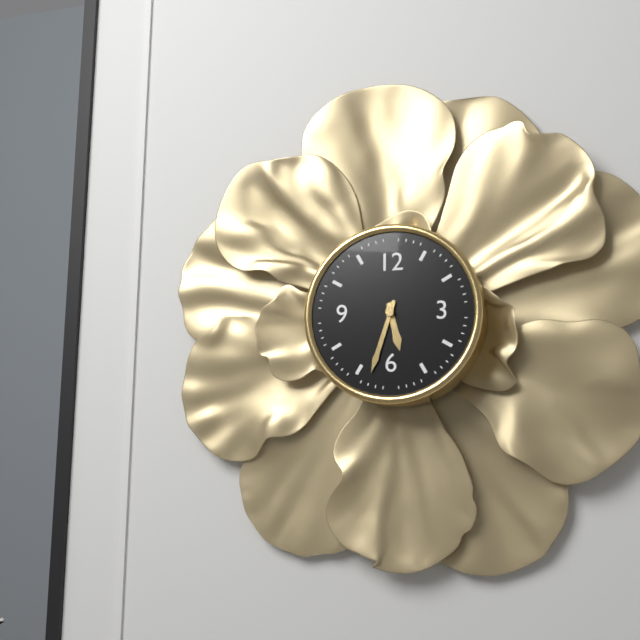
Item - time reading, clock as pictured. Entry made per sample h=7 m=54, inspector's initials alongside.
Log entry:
h=5 m=33
